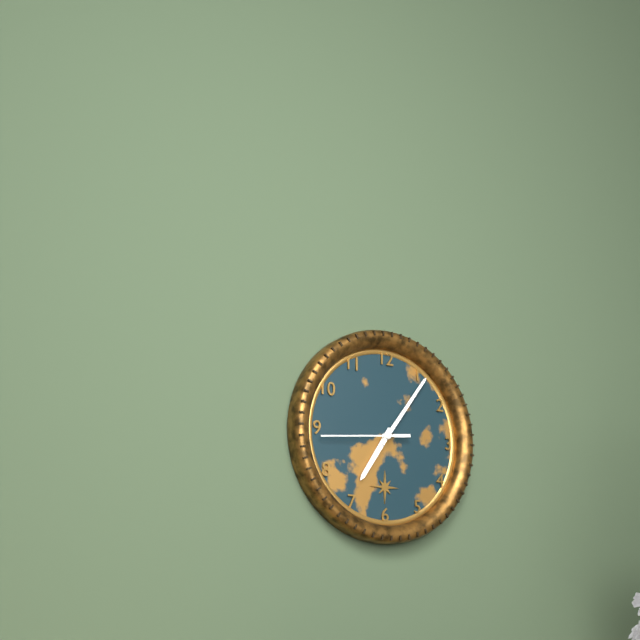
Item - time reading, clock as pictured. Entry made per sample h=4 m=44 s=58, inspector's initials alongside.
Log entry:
h=7 m=6 s=44
